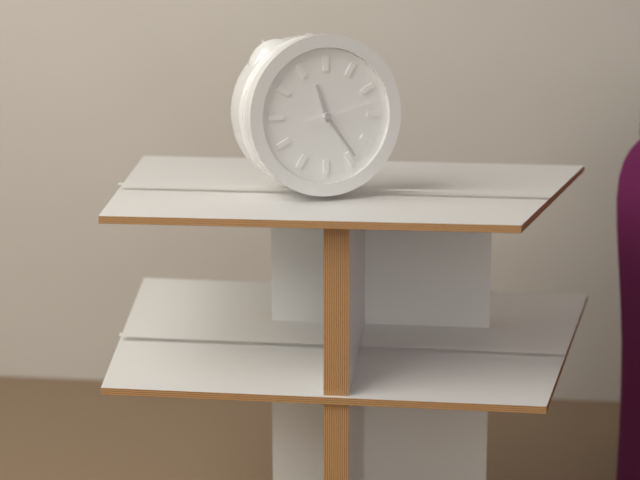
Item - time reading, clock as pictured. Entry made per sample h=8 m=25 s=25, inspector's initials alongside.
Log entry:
h=11 m=24 s=13
